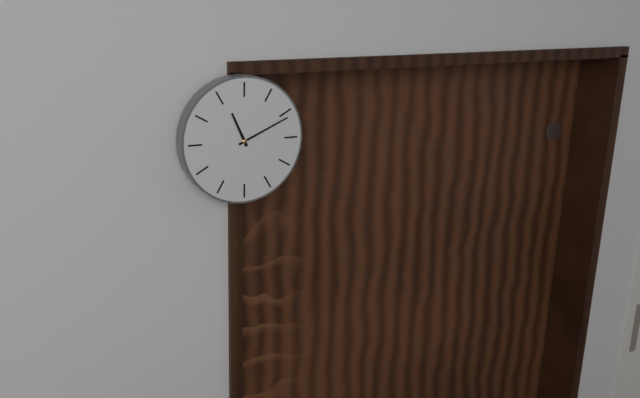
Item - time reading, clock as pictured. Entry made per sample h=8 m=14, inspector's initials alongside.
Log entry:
h=11 m=11
